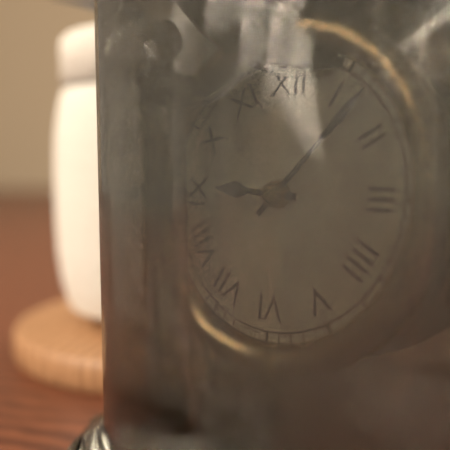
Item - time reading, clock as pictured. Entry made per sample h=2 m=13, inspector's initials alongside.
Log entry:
h=9 m=7
